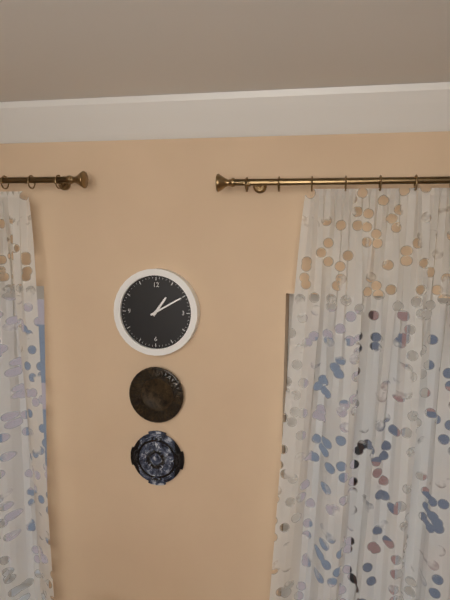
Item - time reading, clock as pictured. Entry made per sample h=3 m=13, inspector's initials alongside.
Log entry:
h=1 m=10
